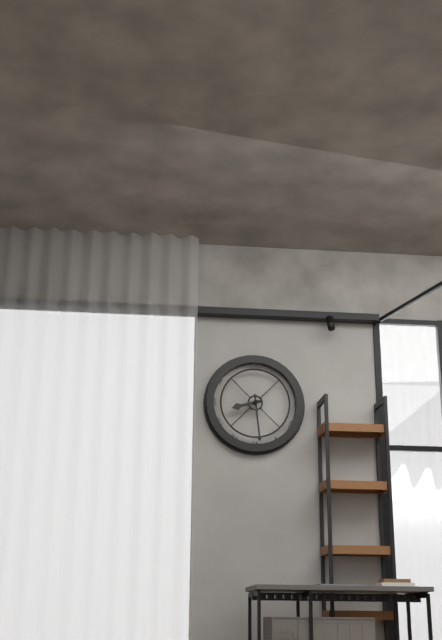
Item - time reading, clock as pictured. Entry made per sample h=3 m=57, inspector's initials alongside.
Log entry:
h=8 m=29
